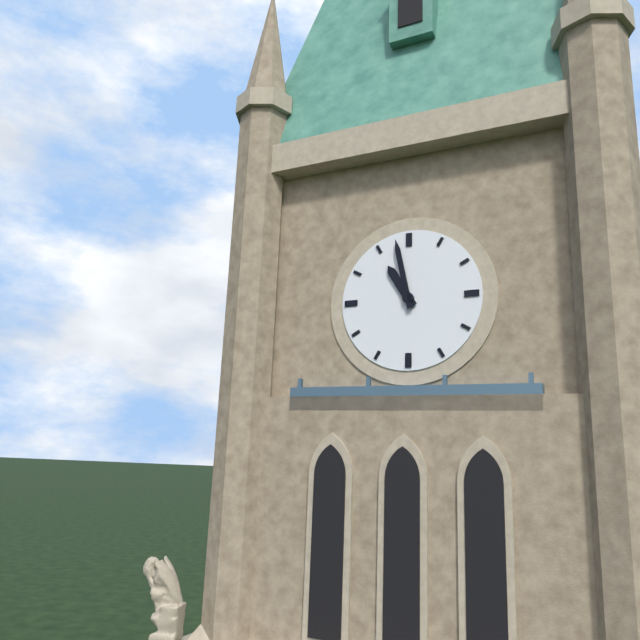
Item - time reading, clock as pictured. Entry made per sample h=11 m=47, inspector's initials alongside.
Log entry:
h=10 m=58
